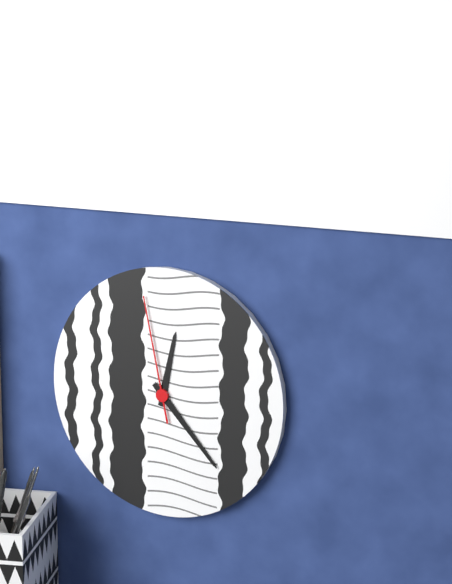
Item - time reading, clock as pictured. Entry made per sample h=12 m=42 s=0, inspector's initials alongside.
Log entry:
h=12 m=23 s=58
